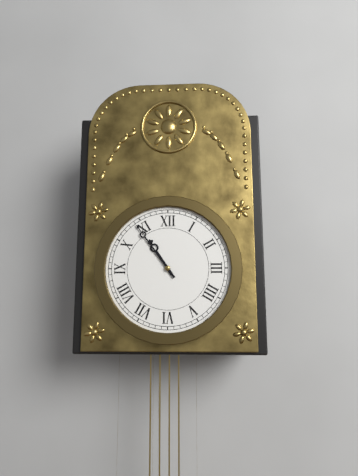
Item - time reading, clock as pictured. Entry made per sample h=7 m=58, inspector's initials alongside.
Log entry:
h=10 m=54
